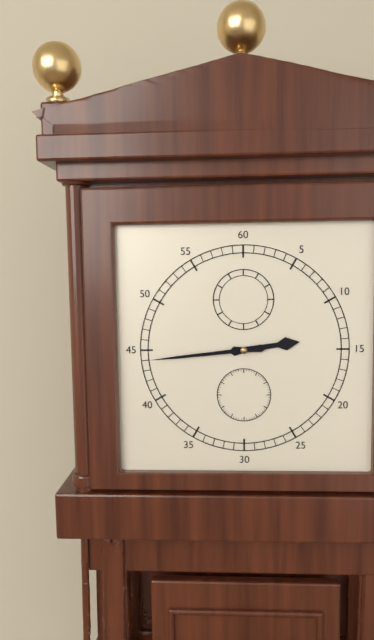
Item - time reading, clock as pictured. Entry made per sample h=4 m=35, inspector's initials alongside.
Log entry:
h=2 m=44
